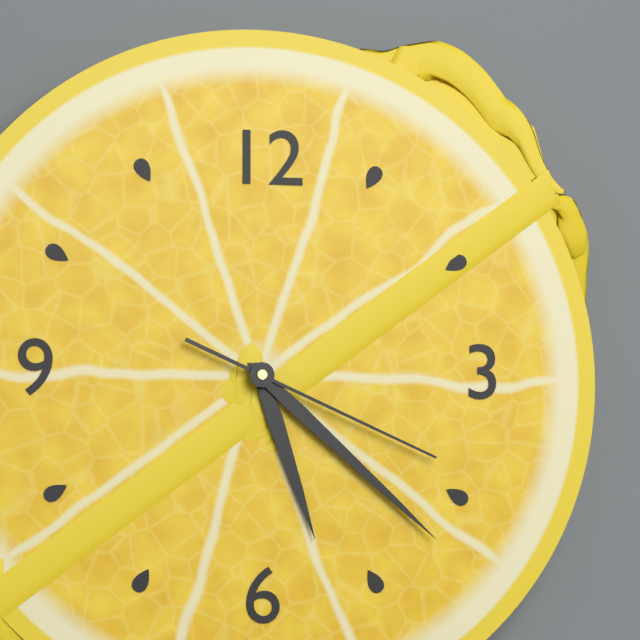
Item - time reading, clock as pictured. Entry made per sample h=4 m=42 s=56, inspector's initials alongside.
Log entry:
h=5 m=22 s=19
